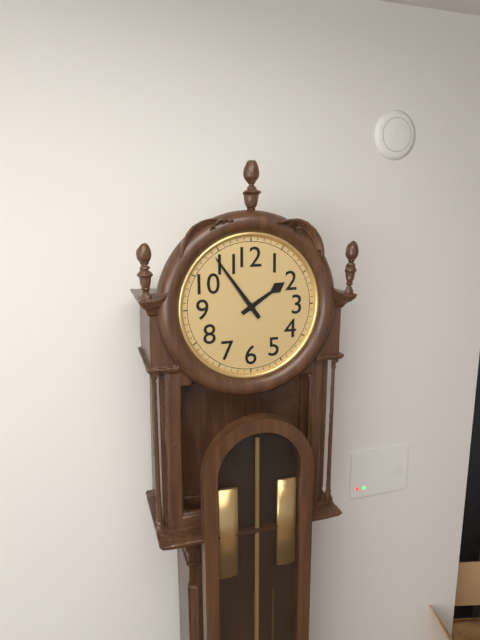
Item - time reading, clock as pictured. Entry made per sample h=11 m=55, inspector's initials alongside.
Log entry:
h=1 m=54
